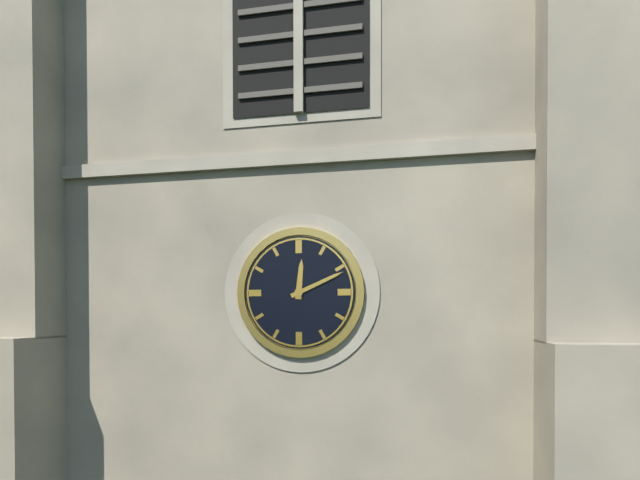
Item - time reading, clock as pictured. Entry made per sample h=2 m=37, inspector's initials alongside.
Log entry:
h=12 m=11
